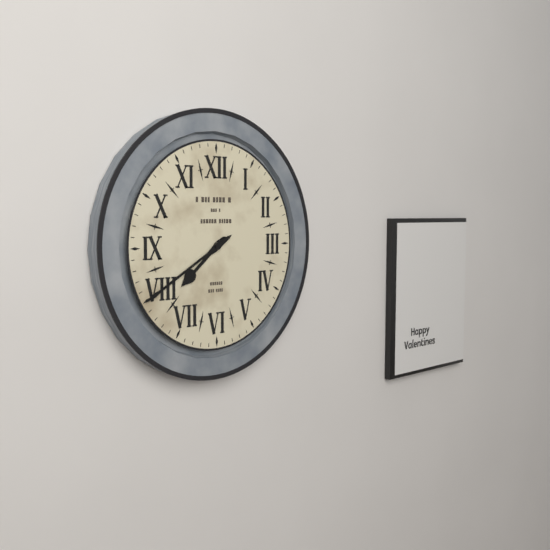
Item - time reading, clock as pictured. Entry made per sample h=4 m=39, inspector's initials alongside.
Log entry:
h=7 m=40
